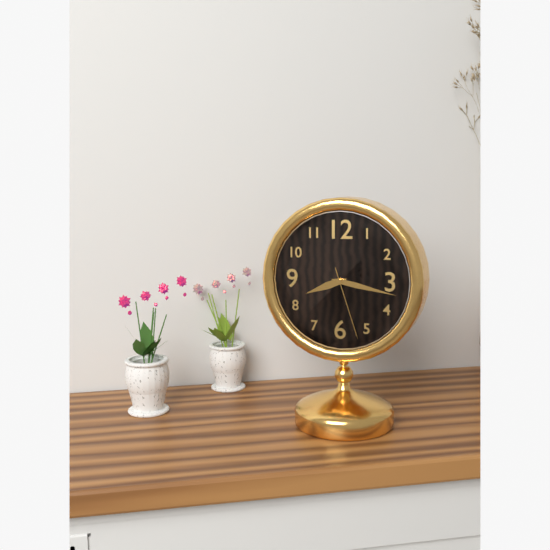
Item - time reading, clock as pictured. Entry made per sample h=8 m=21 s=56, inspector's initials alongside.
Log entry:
h=8 m=17 s=27
